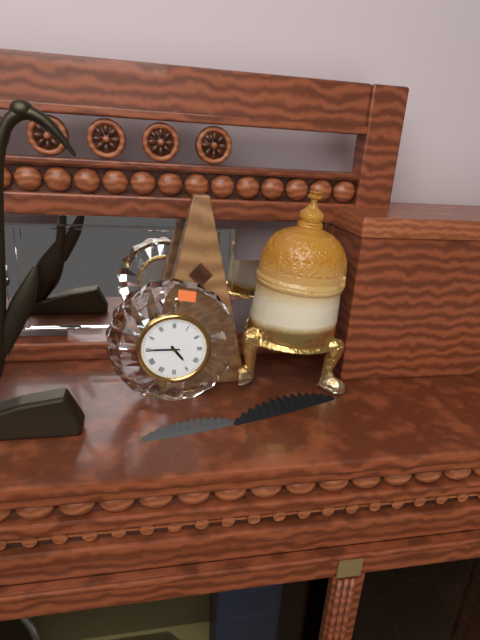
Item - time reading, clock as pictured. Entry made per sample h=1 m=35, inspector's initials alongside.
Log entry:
h=4 m=45
